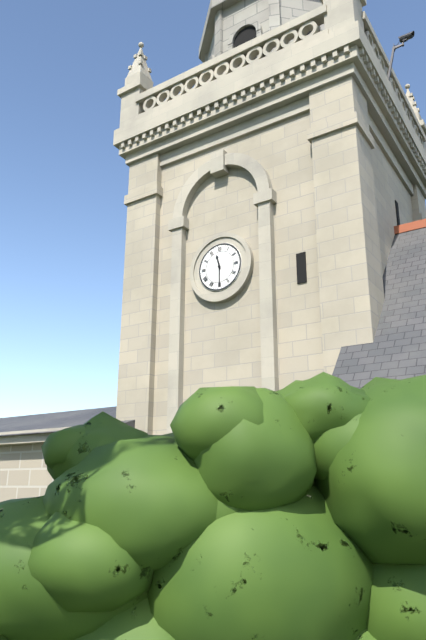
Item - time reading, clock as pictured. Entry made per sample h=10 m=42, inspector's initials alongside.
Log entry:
h=11 m=30
